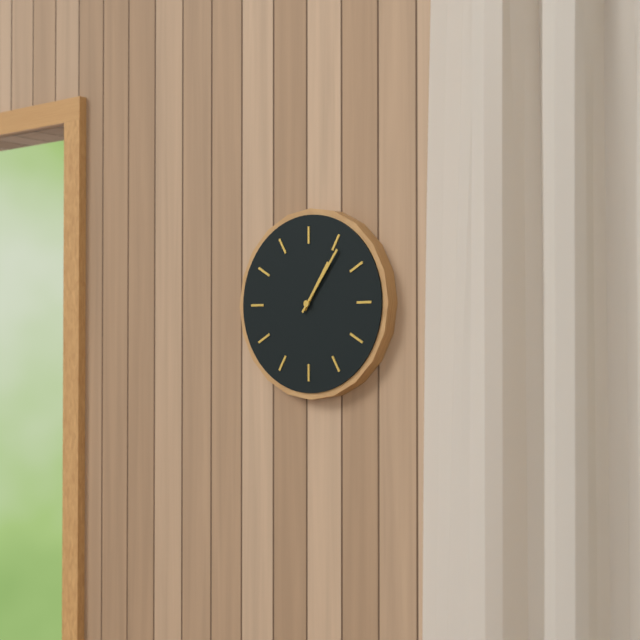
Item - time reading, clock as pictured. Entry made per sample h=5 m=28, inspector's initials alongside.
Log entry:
h=1 m=6
